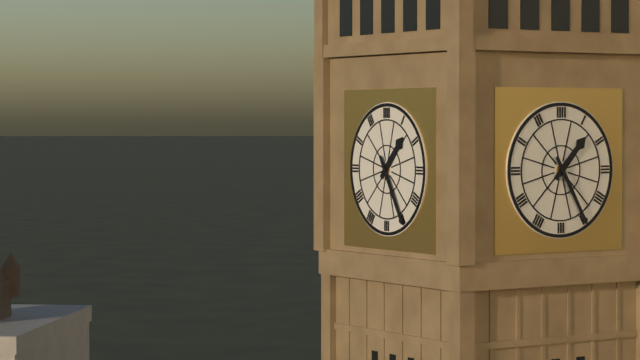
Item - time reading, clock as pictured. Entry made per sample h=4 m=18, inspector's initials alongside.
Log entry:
h=1 m=25
